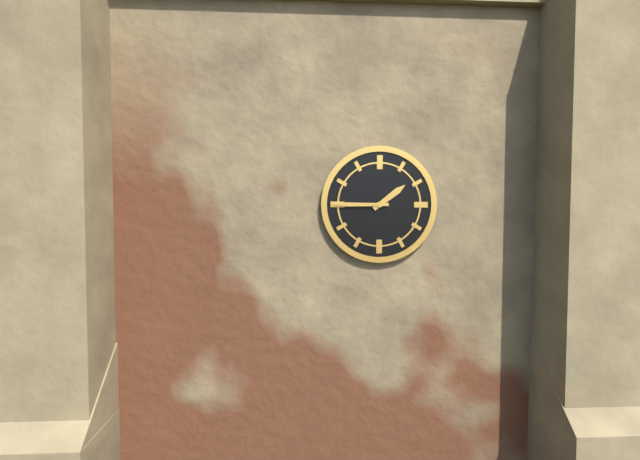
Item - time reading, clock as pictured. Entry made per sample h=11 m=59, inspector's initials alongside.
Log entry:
h=1 m=45
